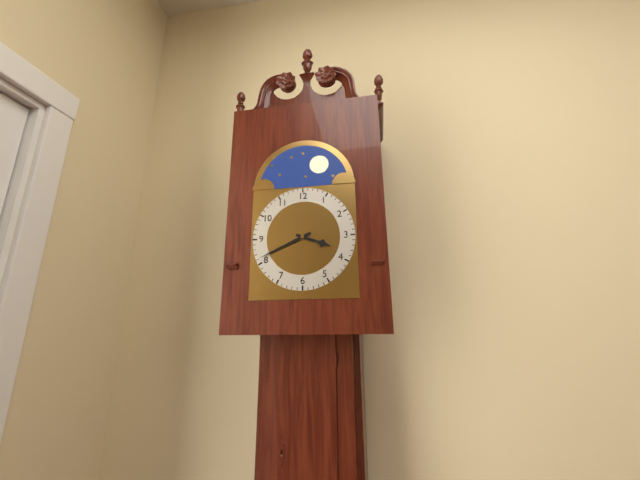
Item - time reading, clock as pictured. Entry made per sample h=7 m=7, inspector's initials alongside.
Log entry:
h=3 m=41
